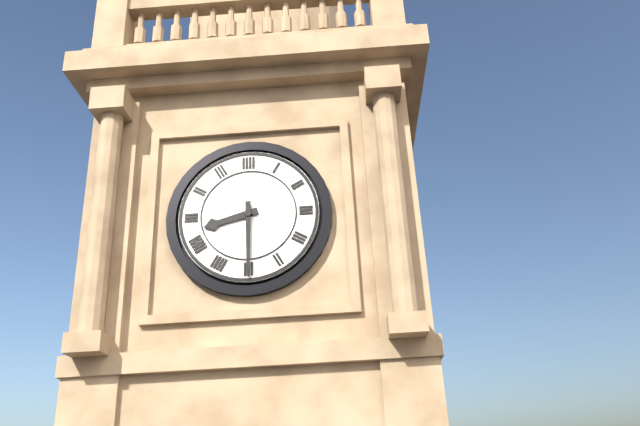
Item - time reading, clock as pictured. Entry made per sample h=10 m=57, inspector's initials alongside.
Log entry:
h=8 m=30
